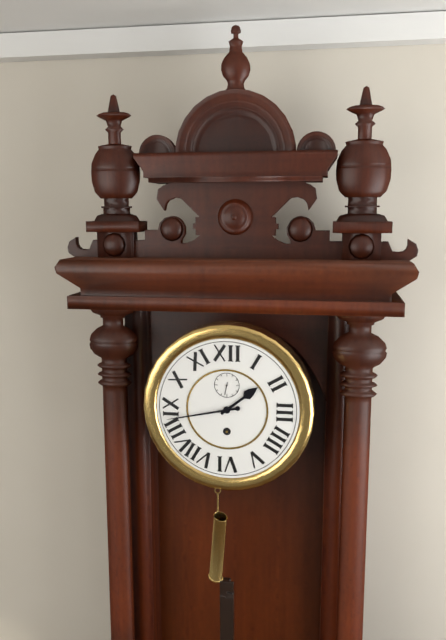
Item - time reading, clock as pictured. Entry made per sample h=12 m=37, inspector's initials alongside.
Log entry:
h=1 m=43
